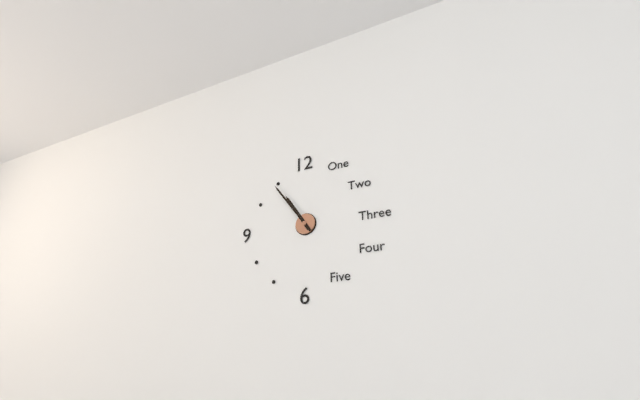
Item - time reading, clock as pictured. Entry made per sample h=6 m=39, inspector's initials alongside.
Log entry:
h=10 m=54
